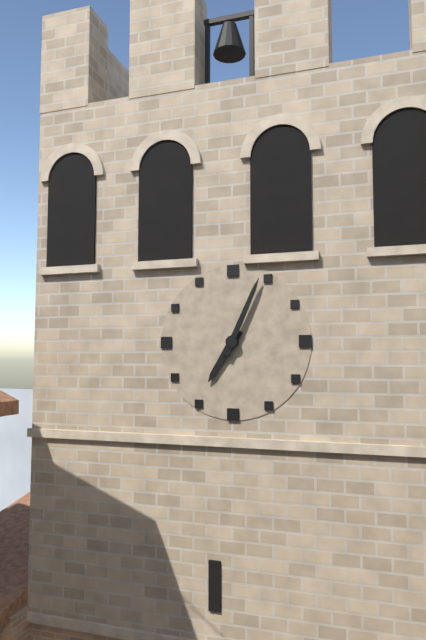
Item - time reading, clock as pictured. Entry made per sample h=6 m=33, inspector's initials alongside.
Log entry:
h=7 m=4
